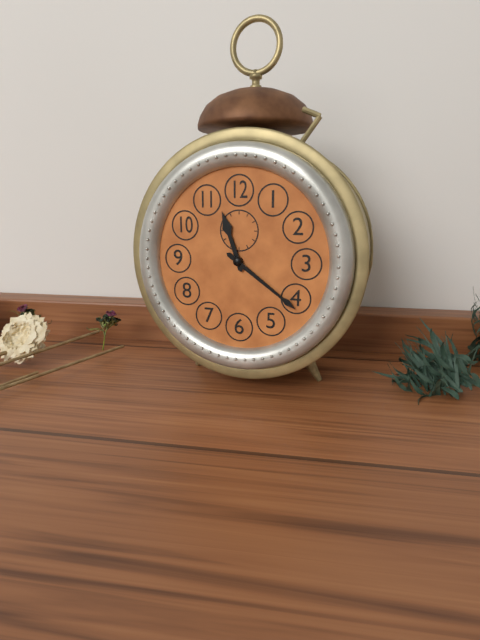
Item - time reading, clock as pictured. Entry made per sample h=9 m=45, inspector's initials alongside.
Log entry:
h=11 m=21
